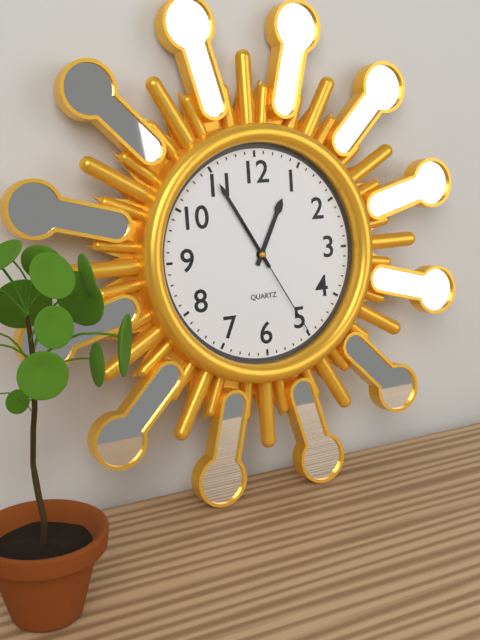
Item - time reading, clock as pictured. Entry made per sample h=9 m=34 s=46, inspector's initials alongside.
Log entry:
h=12 m=55 s=25
